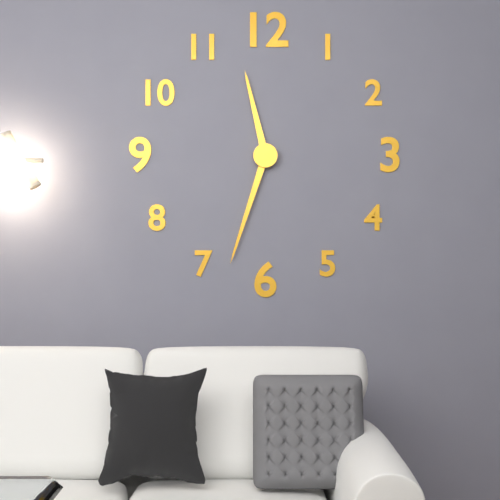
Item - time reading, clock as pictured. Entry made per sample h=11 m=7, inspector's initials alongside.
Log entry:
h=11 m=33
